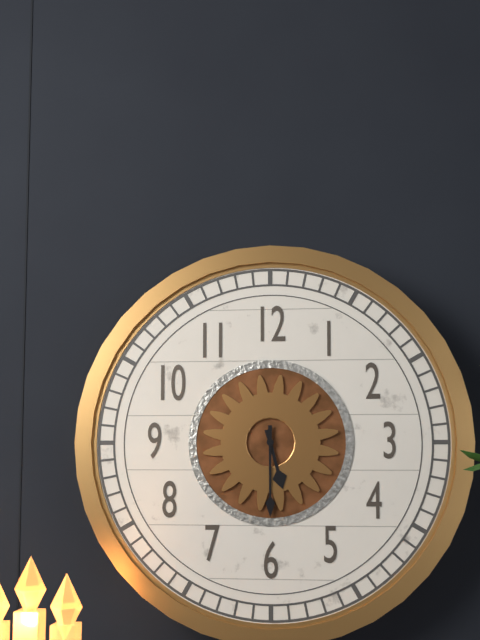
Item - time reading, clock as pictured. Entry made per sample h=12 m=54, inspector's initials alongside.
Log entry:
h=5 m=30
